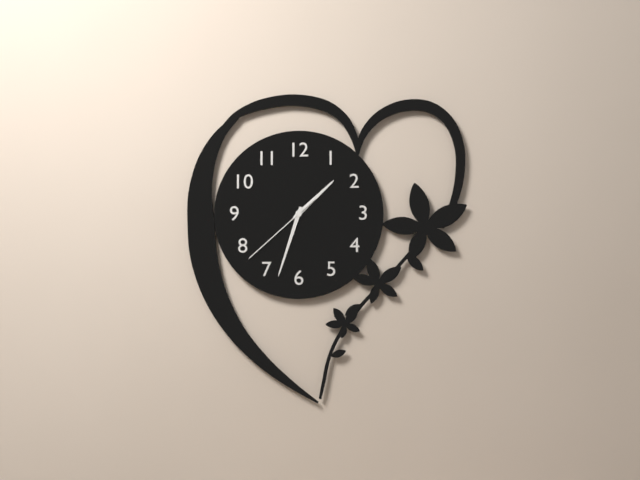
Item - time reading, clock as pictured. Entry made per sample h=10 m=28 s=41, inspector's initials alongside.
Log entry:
h=1 m=33 s=38
